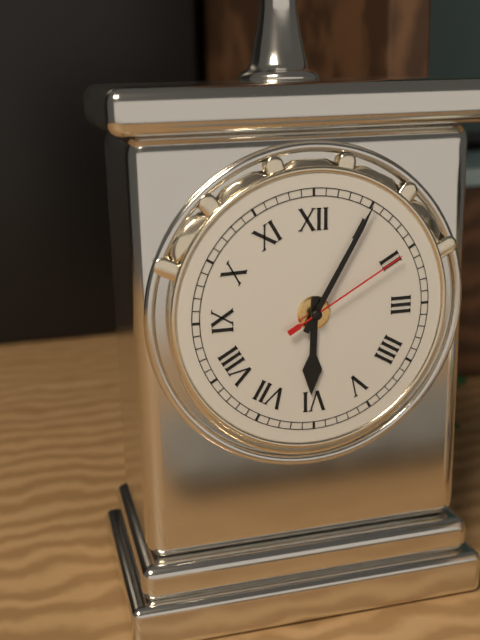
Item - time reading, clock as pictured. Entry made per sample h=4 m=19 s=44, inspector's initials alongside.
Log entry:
h=6 m=5 s=10
